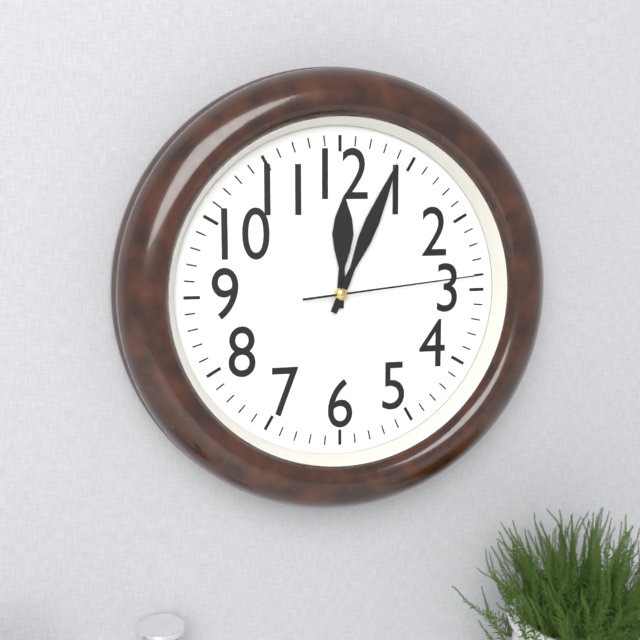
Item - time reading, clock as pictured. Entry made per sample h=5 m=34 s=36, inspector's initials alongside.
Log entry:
h=12 m=4 s=14
